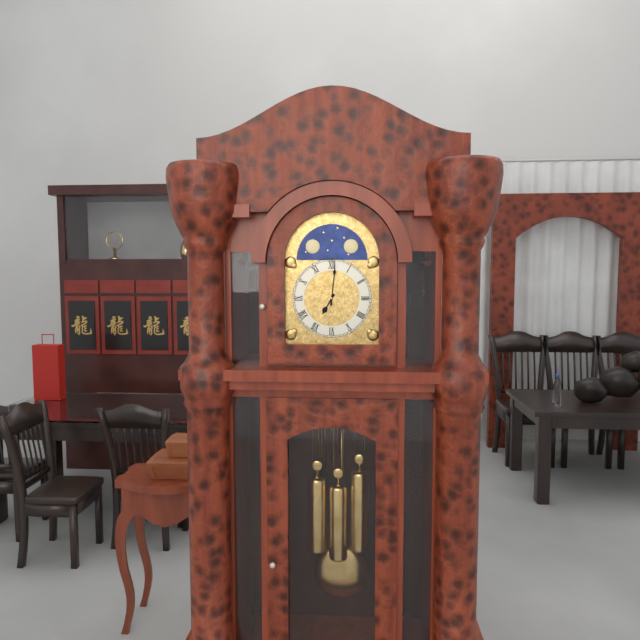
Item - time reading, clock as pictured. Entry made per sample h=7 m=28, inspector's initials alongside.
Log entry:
h=7 m=1
